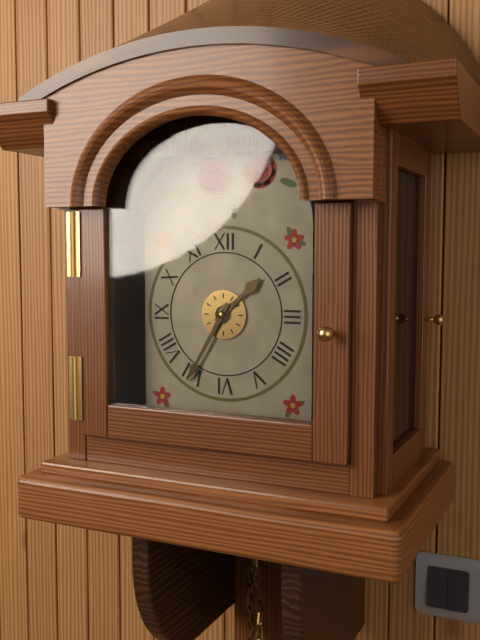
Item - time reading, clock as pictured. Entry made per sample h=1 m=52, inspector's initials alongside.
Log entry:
h=1 m=35
